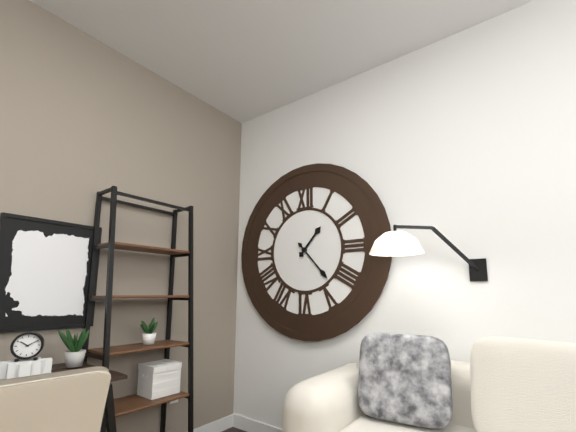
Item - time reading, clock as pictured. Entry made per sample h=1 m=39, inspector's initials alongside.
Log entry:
h=1 m=23
